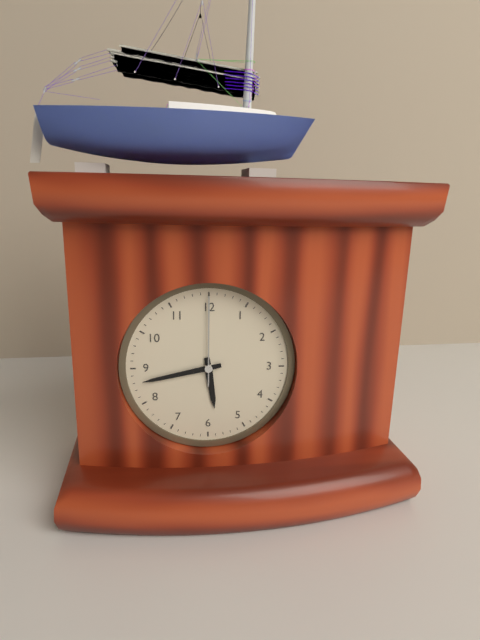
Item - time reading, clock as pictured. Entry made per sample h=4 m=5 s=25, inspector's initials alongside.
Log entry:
h=5 m=43 s=0
